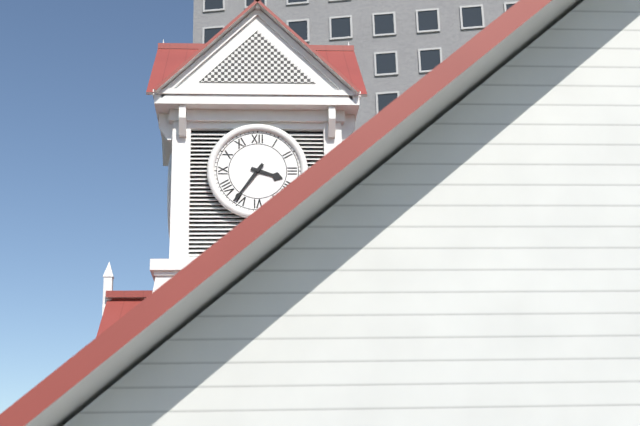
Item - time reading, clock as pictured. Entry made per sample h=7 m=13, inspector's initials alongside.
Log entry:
h=3 m=36
